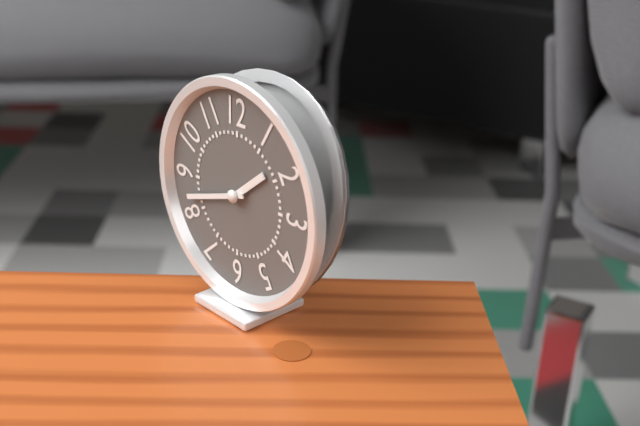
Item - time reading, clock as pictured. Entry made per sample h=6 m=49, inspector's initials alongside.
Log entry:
h=1 m=42
